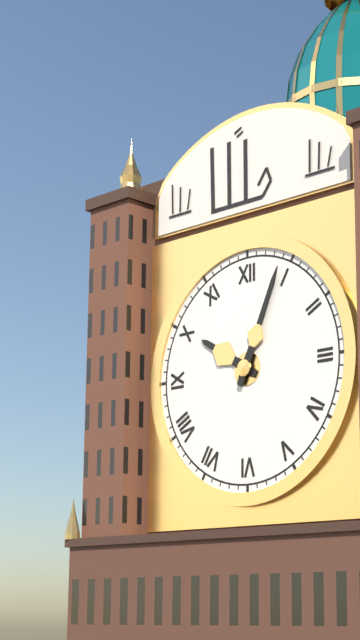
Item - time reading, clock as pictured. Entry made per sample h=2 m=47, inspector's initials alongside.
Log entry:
h=10 m=4
